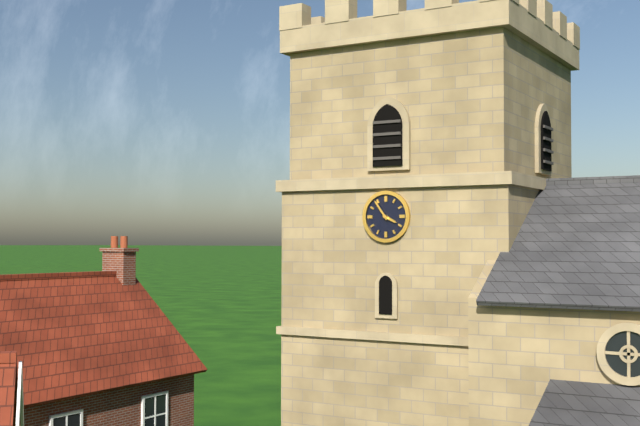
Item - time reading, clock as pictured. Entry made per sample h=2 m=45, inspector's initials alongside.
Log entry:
h=3 m=54
